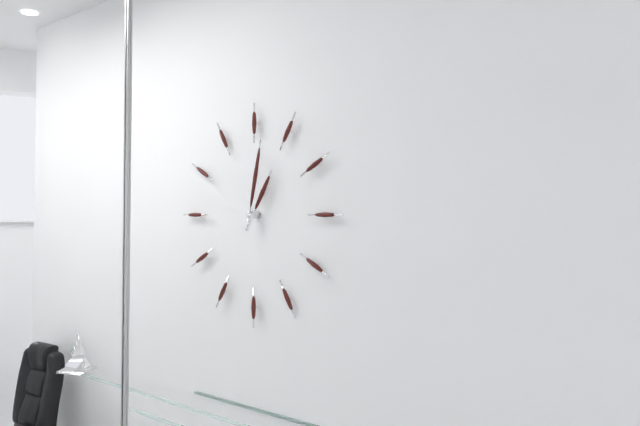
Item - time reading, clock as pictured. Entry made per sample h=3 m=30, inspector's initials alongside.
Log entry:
h=1 m=2
